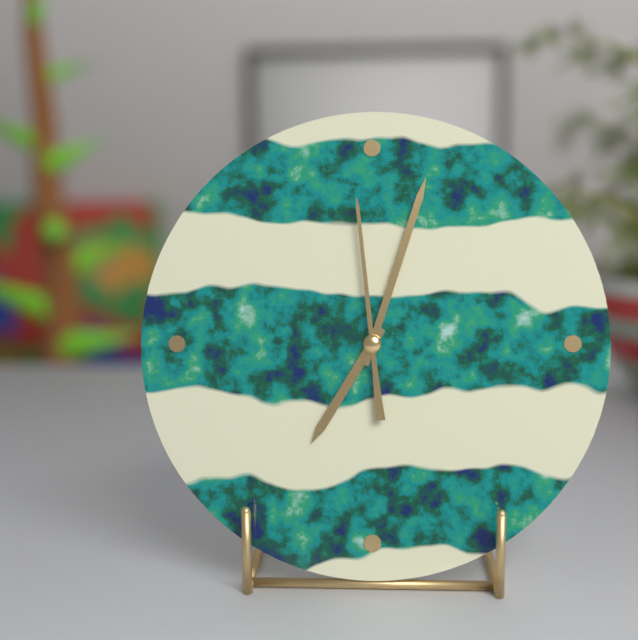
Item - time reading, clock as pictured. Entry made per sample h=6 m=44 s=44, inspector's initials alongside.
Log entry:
h=7 m=3 s=59
